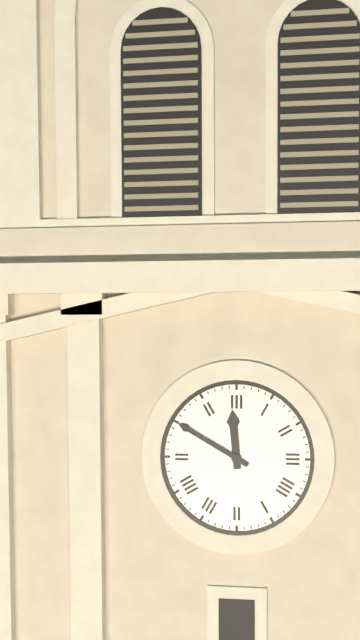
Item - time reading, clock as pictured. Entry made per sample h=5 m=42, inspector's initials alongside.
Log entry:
h=11 m=50
